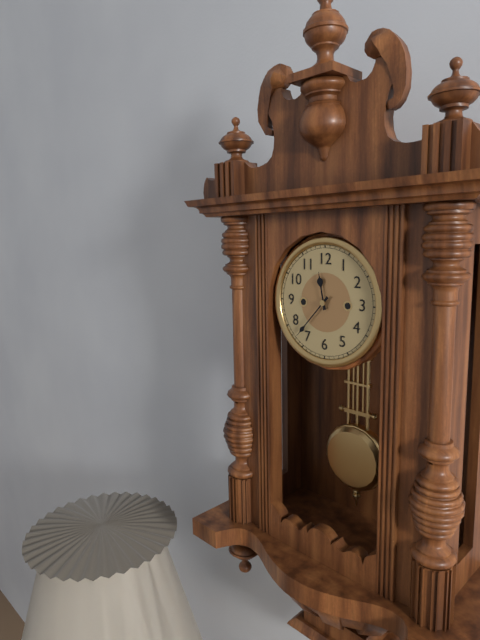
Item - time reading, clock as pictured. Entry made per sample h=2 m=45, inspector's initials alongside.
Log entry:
h=11 m=37
